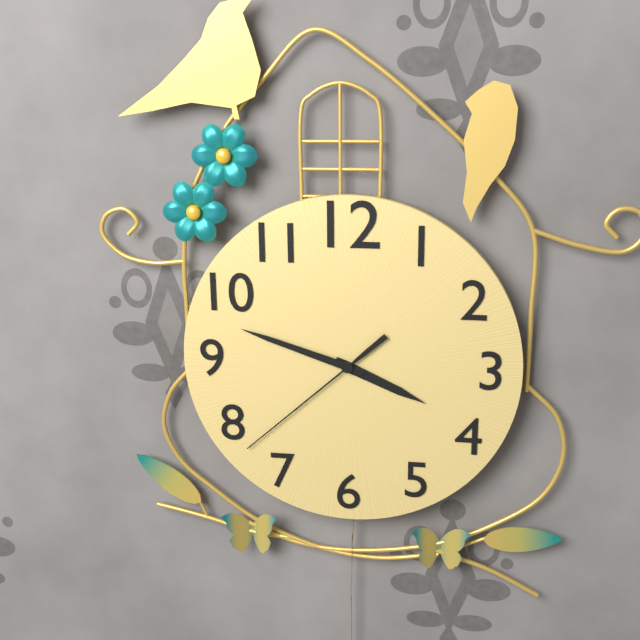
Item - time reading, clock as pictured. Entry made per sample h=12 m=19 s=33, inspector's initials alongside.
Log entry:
h=3 m=48 s=38
